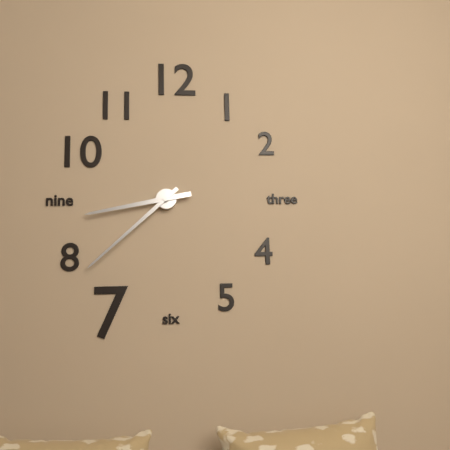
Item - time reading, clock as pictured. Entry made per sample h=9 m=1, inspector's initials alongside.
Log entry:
h=8 m=38
